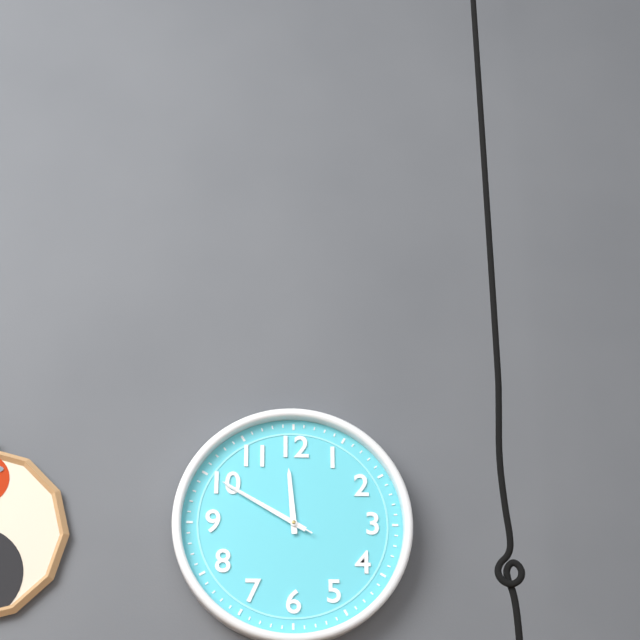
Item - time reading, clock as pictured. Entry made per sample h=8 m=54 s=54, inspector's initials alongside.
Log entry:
h=11 m=50 s=50
